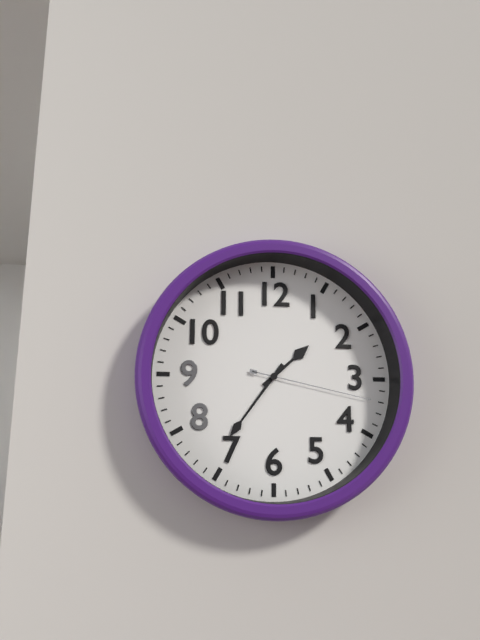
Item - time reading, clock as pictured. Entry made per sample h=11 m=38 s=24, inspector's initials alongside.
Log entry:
h=1 m=36 s=17
